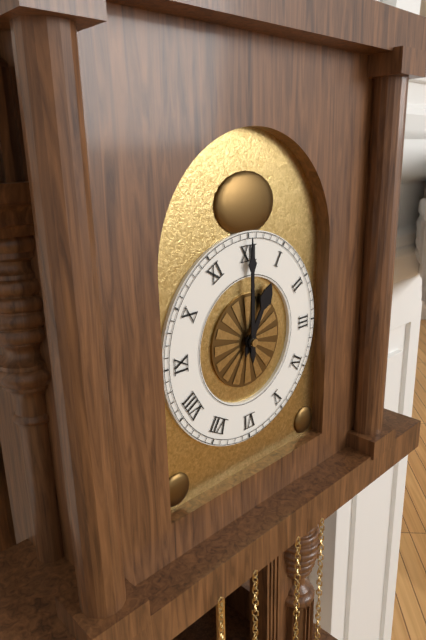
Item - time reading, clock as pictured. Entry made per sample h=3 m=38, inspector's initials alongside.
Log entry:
h=1 m=0
